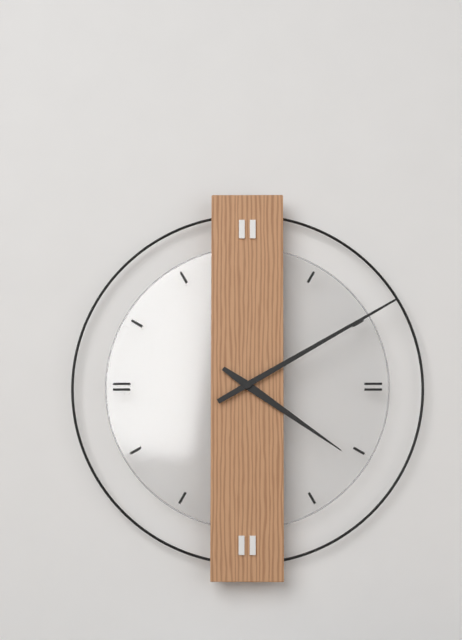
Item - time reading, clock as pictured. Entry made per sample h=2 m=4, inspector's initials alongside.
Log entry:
h=4 m=10
